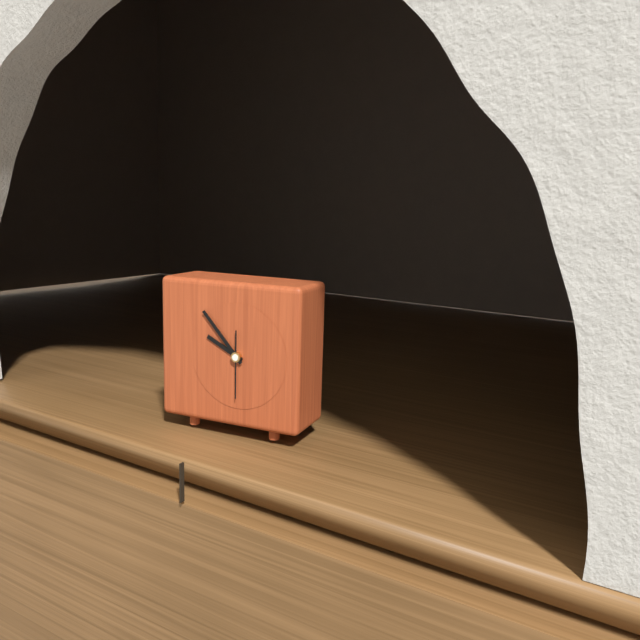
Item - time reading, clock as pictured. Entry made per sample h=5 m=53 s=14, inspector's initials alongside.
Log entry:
h=9 m=53 s=30
